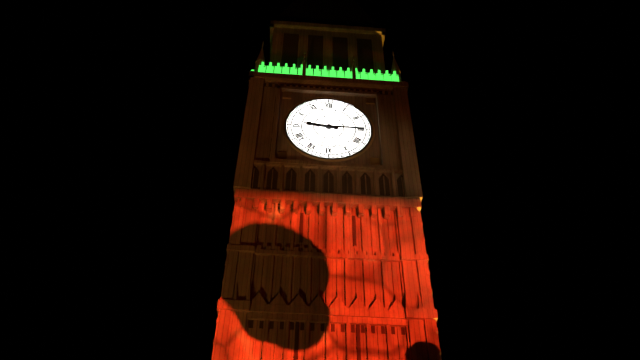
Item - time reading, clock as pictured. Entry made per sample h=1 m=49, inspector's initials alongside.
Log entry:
h=9 m=15
